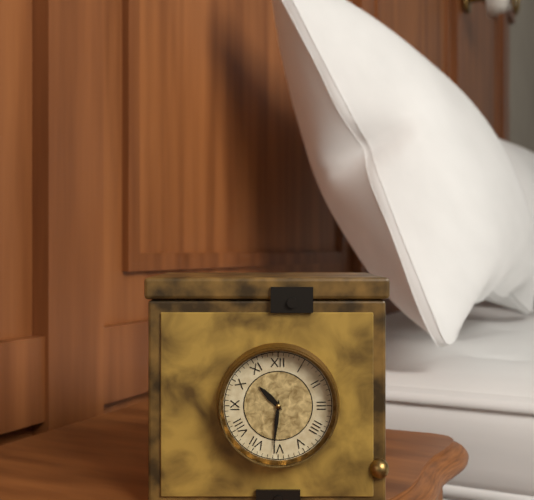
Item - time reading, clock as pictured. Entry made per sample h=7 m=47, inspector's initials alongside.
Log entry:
h=10 m=31
